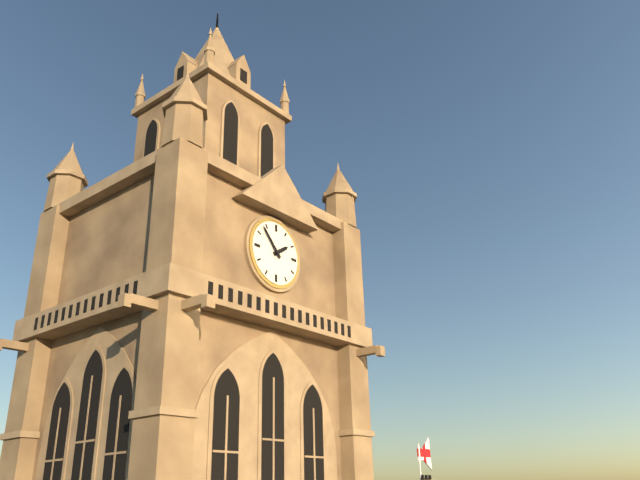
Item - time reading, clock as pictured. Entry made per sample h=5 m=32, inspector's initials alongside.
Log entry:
h=1 m=53
